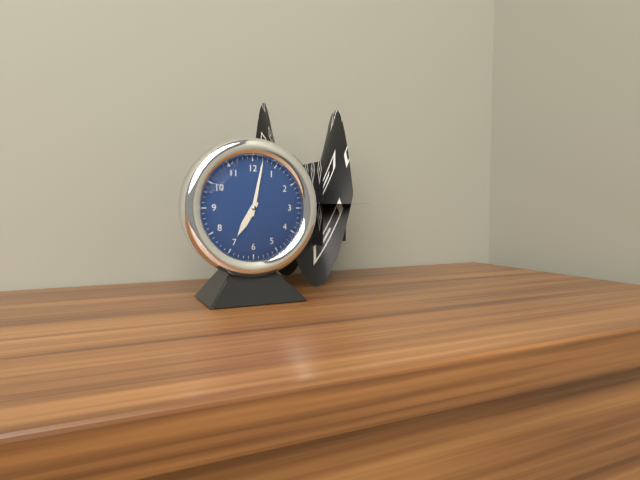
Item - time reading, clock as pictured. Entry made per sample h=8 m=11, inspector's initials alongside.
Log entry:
h=7 m=2
